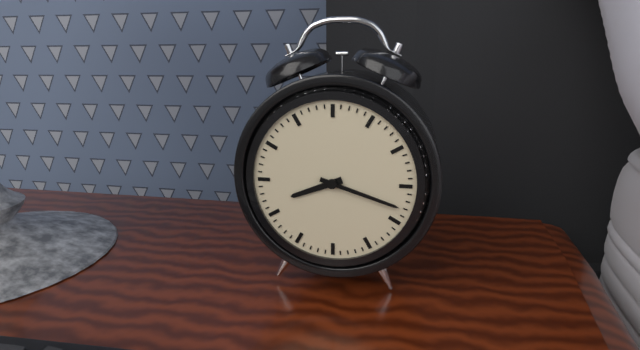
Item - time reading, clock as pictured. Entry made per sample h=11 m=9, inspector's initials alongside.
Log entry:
h=8 m=18
